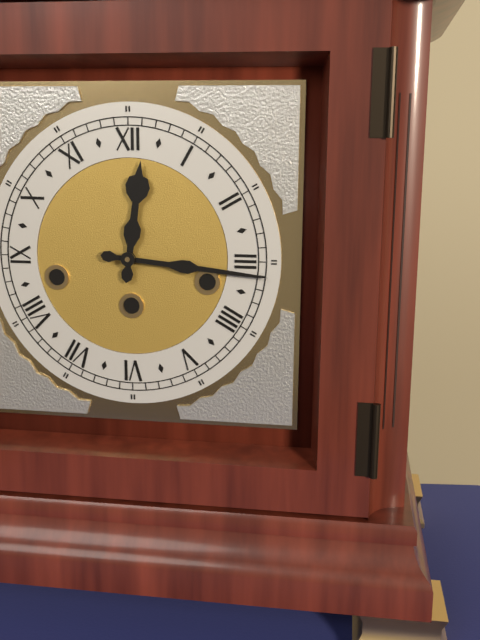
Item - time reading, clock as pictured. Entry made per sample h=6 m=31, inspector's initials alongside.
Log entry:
h=12 m=16
